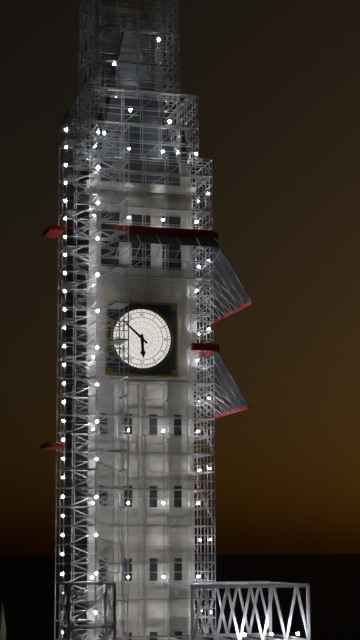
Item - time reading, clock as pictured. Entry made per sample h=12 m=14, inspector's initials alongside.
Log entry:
h=5 m=52
